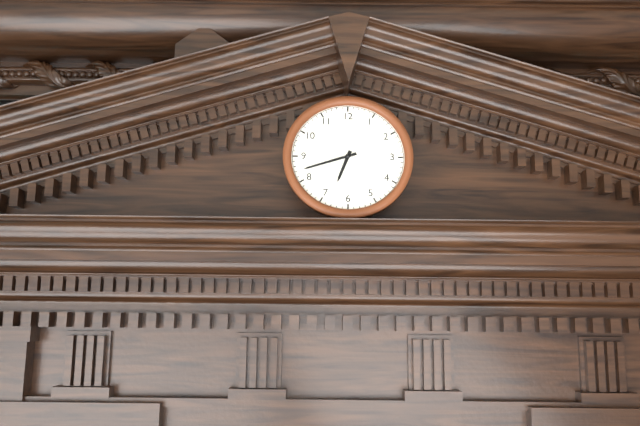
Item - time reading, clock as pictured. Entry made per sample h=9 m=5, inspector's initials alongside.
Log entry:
h=6 m=42
